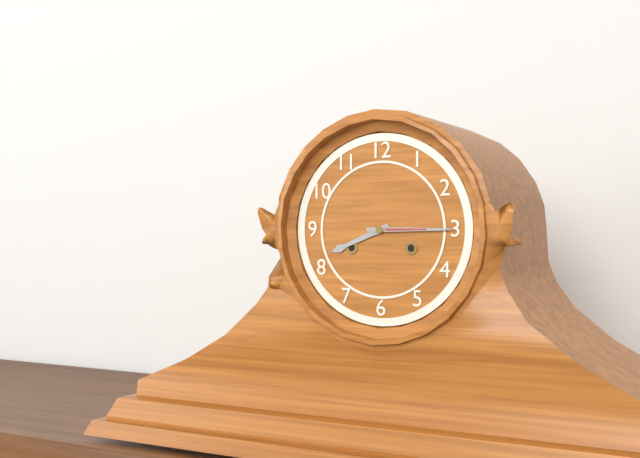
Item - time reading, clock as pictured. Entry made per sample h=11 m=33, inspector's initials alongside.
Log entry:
h=8 m=15
